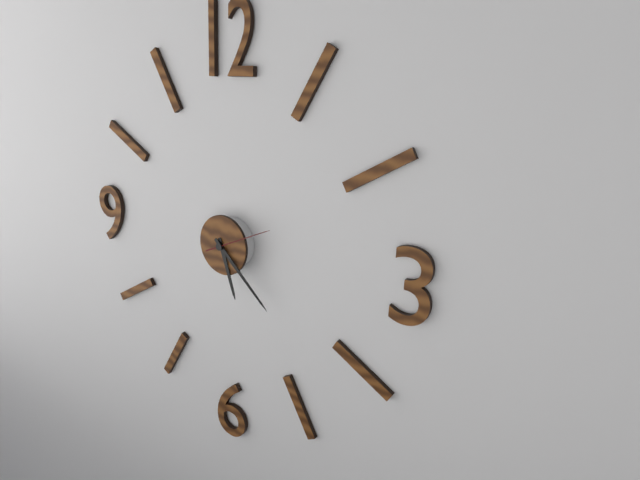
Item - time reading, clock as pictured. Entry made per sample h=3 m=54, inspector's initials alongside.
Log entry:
h=5 m=22
